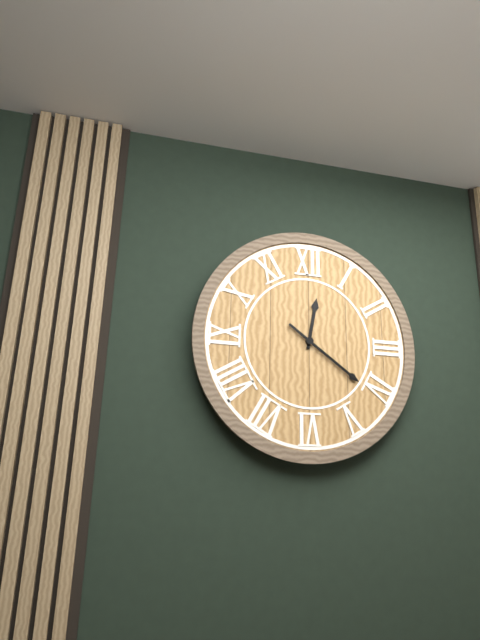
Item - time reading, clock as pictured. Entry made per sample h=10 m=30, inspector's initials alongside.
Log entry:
h=12 m=21
